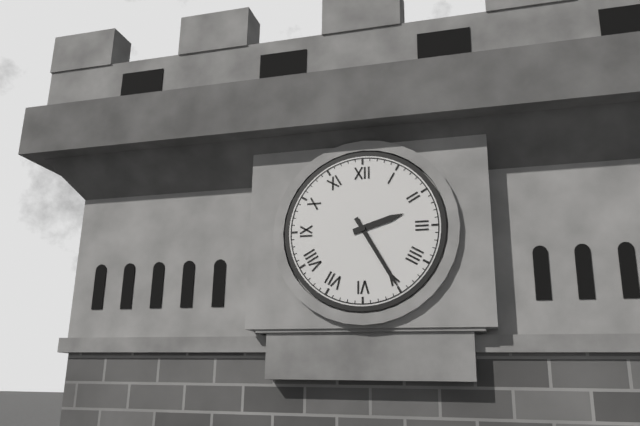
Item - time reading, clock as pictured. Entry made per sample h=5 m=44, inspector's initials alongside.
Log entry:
h=2 m=25
